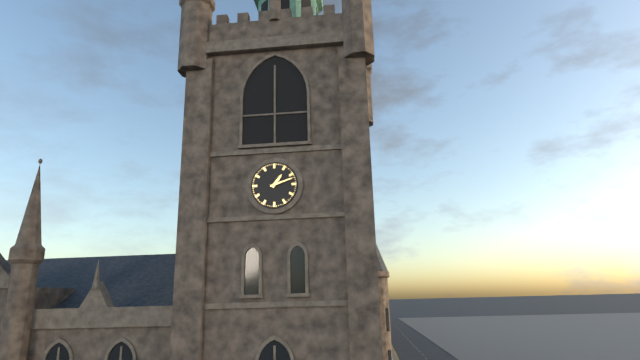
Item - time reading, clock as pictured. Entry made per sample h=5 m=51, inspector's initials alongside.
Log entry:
h=1 m=12
